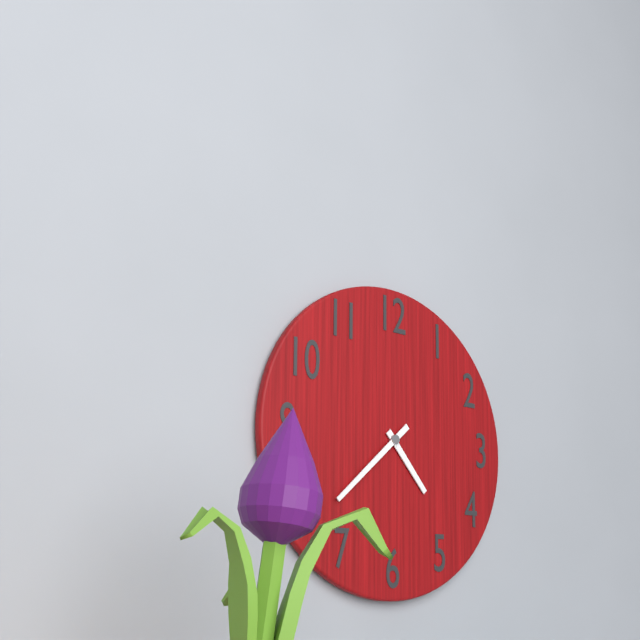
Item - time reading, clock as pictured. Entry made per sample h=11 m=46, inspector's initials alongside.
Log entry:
h=4 m=38
